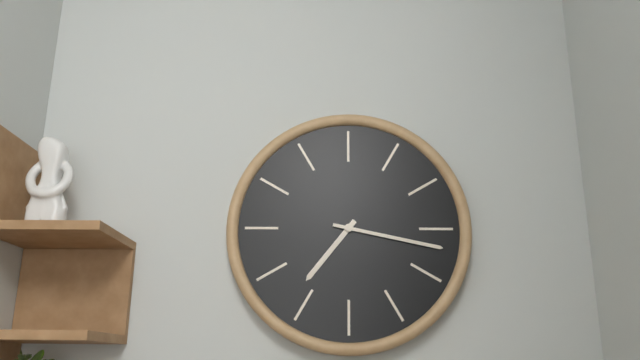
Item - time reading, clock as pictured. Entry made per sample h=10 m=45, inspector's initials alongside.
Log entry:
h=7 m=17
